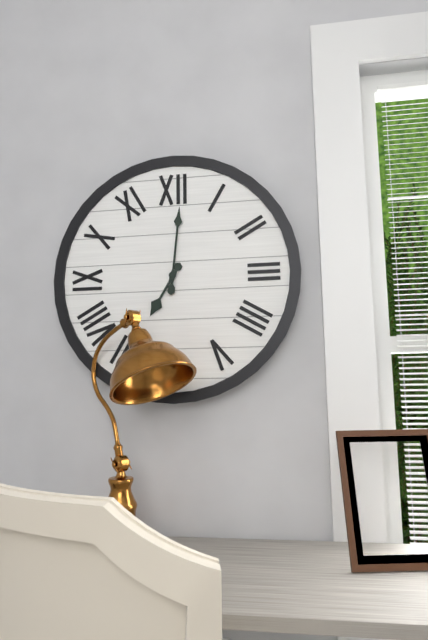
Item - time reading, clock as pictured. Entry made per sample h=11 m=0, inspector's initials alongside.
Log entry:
h=7 m=1
